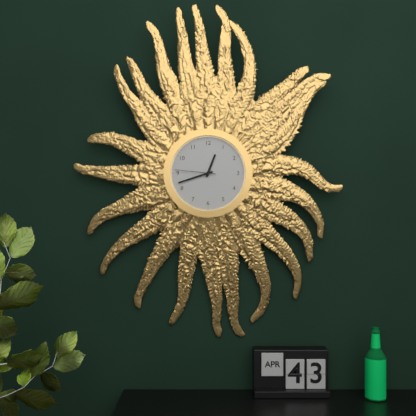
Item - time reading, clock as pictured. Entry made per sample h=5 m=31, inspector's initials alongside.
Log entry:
h=12 m=42
